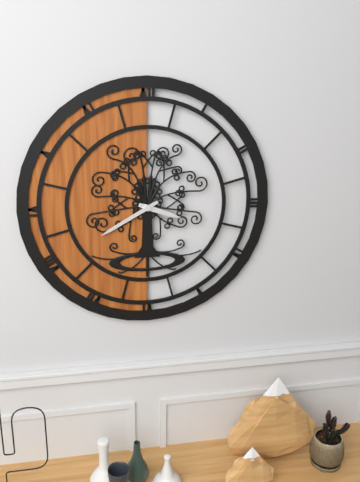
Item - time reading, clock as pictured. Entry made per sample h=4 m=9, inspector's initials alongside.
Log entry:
h=3 m=40
